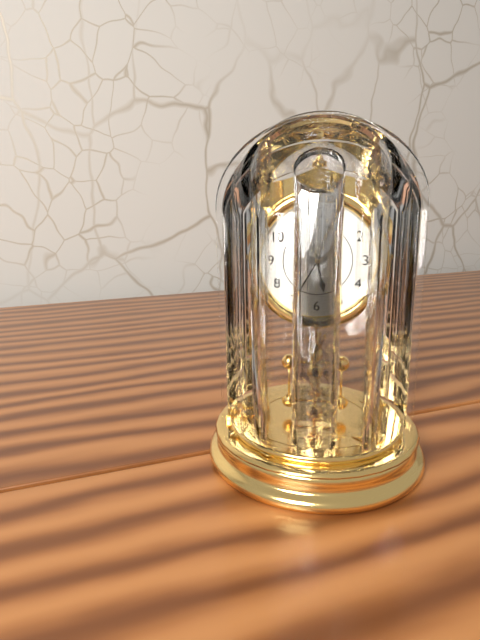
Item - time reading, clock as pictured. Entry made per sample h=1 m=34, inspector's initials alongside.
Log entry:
h=5 m=35
